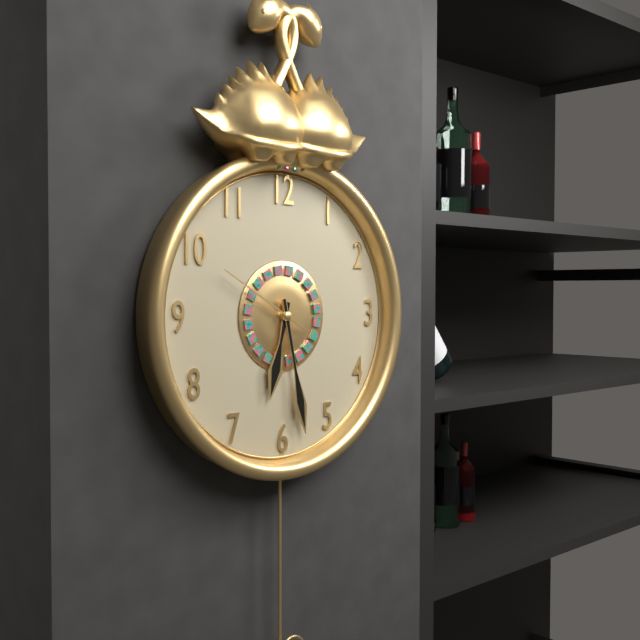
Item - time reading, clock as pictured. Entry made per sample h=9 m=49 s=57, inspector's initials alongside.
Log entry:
h=6 m=28 s=50
